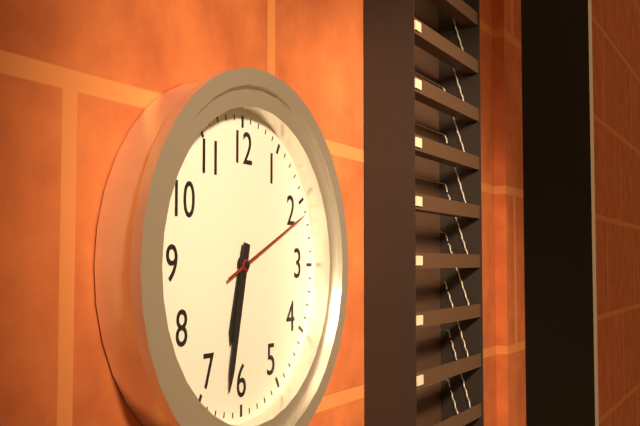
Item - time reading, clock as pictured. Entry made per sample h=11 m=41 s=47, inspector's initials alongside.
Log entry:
h=6 m=32 s=11
